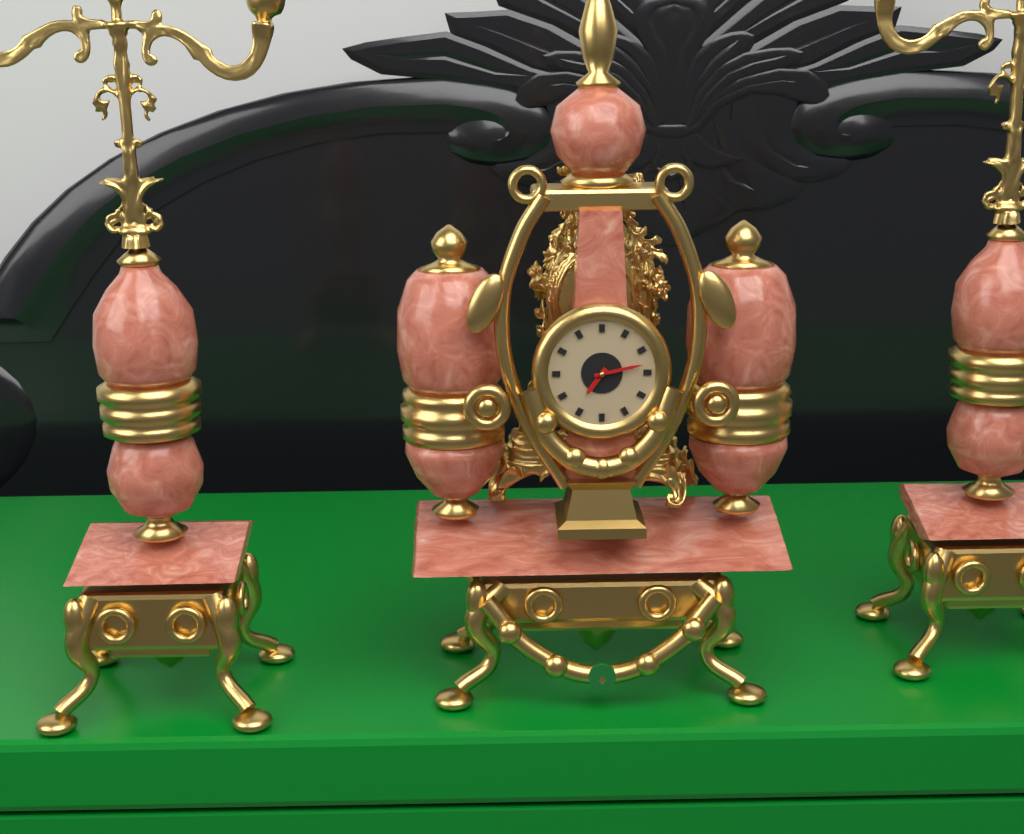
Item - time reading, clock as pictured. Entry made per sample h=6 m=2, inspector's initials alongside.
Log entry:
h=7 m=13
